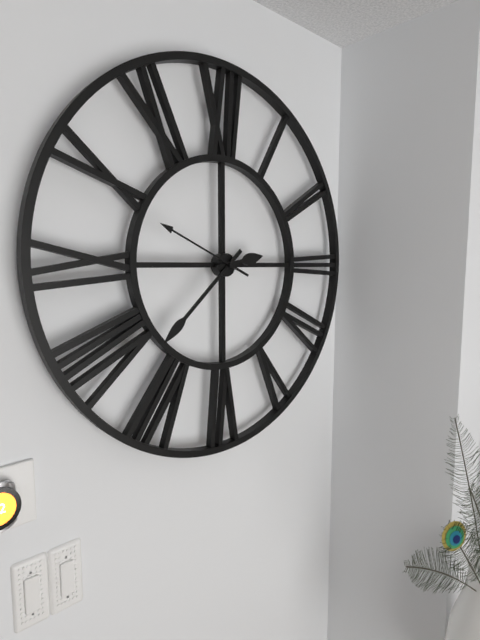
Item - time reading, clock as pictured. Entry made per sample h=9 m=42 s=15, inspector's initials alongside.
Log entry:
h=2 m=38 s=49
